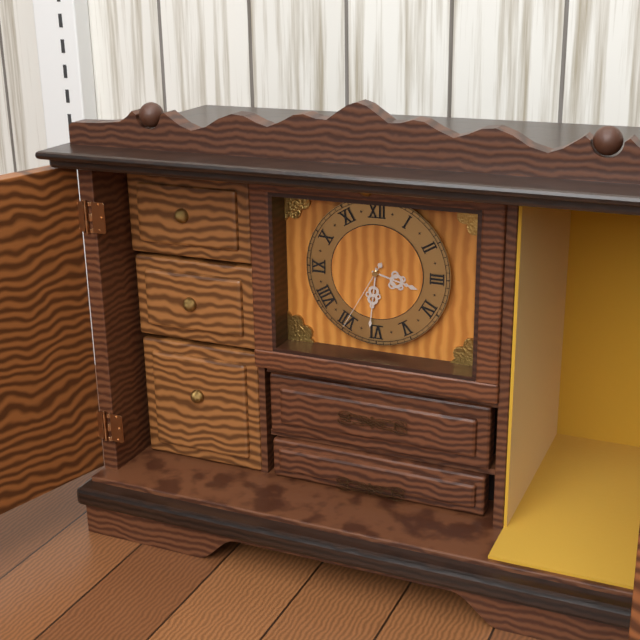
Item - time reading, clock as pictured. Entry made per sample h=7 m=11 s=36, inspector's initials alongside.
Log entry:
h=3 m=31 s=35
